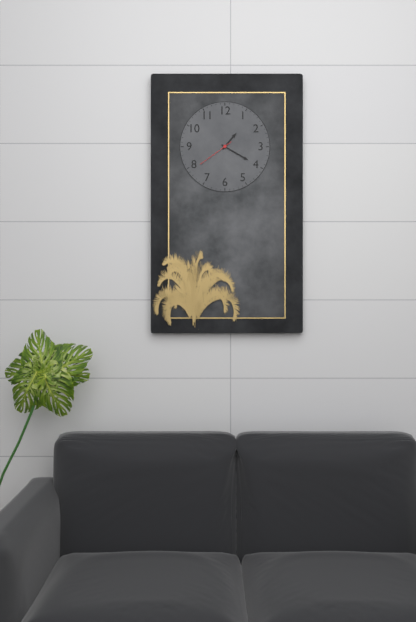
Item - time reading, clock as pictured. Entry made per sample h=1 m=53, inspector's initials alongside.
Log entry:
h=1 m=20
